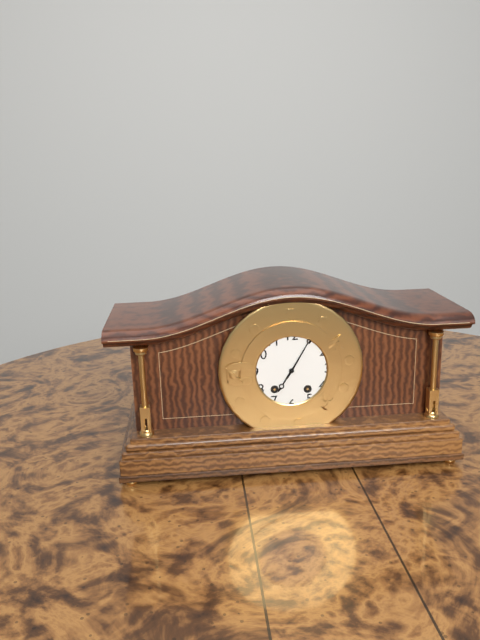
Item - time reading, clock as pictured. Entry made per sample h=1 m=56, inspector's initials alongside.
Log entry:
h=7 m=5
